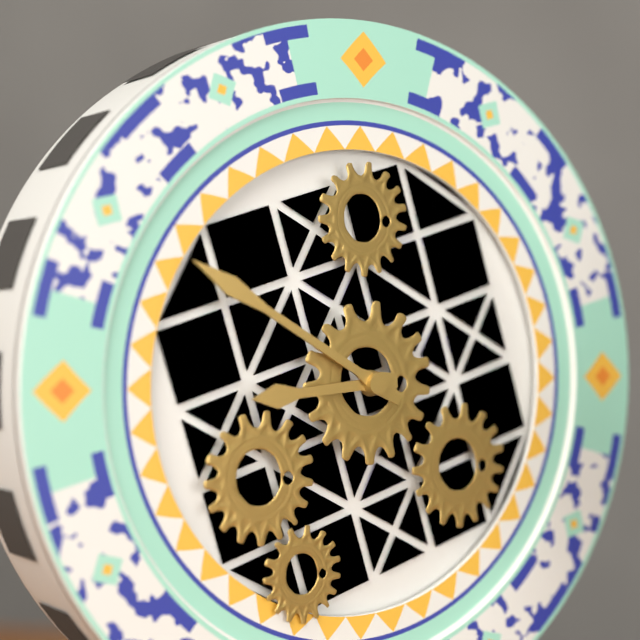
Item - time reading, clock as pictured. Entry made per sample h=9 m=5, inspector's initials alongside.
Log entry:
h=8 m=50
